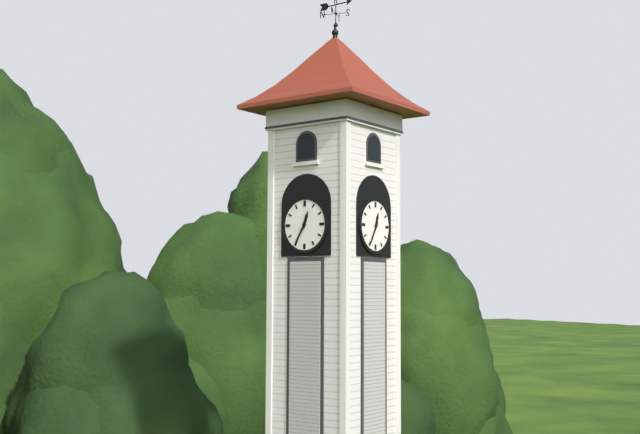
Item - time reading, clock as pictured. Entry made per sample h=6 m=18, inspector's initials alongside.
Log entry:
h=12 m=35
